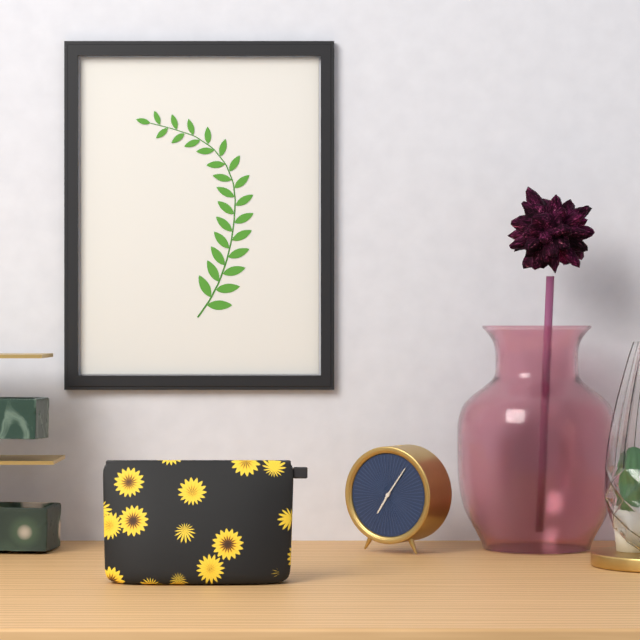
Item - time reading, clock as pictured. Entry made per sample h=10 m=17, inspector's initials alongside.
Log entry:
h=7 m=6
